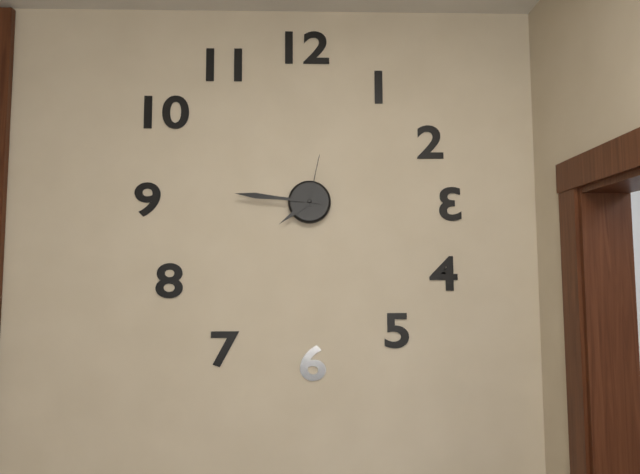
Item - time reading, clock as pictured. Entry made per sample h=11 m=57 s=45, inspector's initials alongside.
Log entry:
h=7 m=46 s=2
